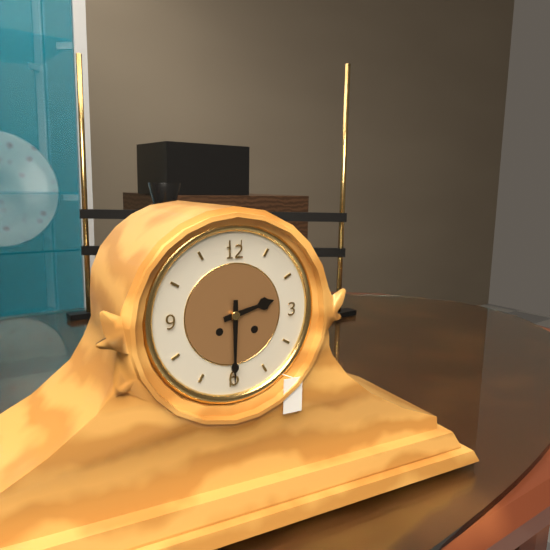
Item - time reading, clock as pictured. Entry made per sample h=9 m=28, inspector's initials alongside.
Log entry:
h=2 m=30
